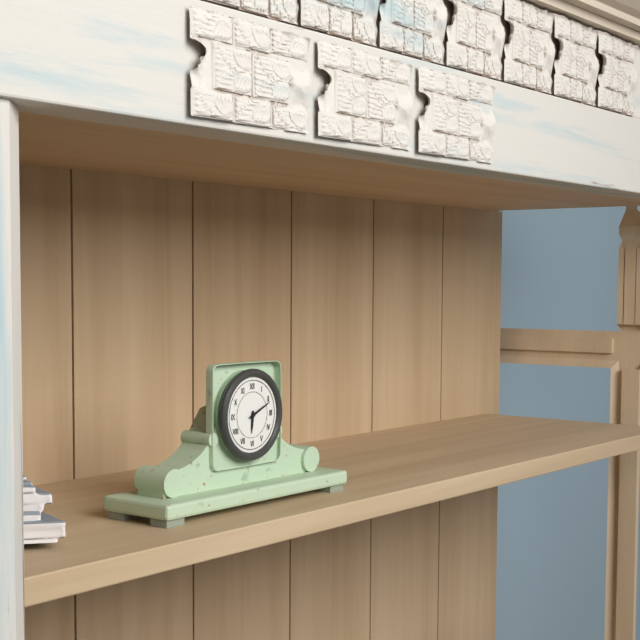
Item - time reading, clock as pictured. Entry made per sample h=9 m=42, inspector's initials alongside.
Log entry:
h=6 m=11
